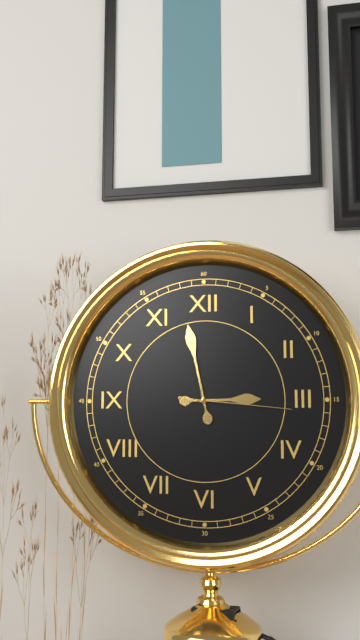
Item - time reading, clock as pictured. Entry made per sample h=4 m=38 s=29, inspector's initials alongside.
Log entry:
h=2 m=58 s=16
